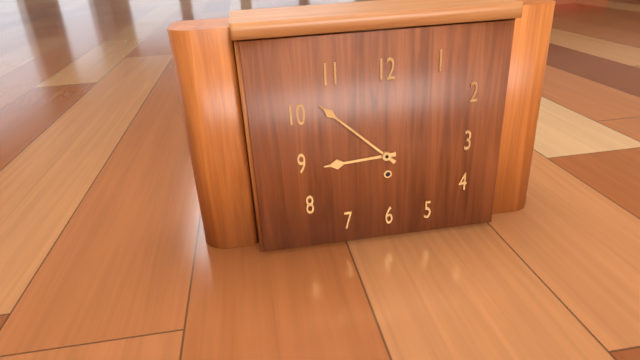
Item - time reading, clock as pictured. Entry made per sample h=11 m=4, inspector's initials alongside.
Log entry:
h=8 m=52
